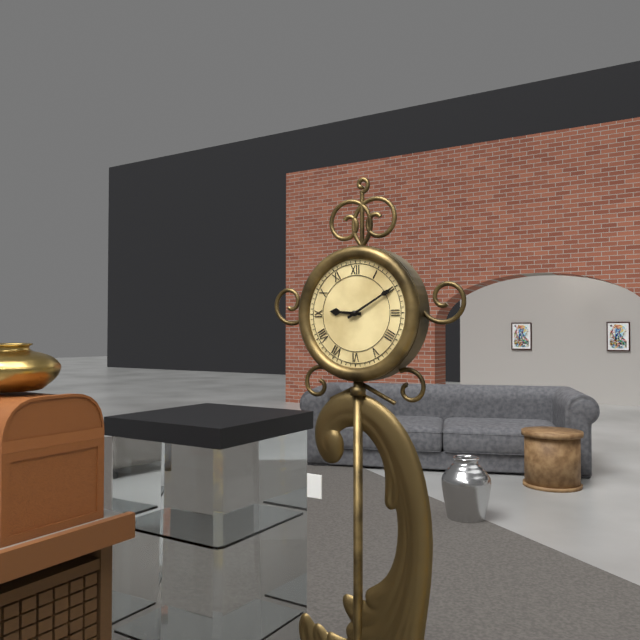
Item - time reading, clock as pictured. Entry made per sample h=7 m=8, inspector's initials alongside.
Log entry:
h=9 m=10
